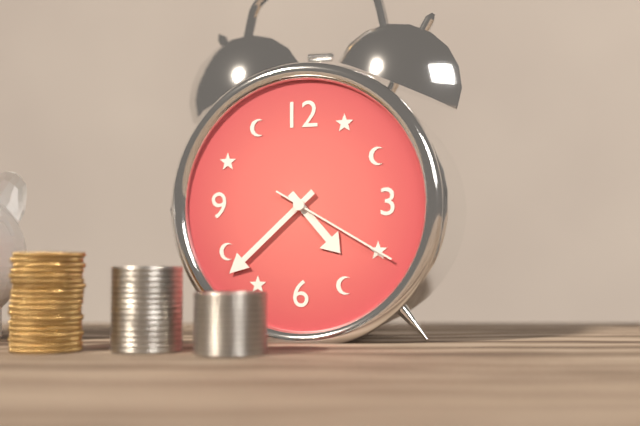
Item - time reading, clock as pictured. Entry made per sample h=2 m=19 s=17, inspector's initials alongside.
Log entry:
h=4 m=38 s=20
